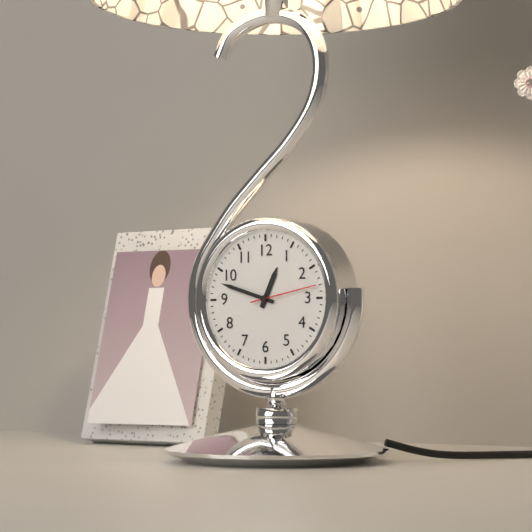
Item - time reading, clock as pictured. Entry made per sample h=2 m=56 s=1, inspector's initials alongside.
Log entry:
h=12 m=48 s=13
